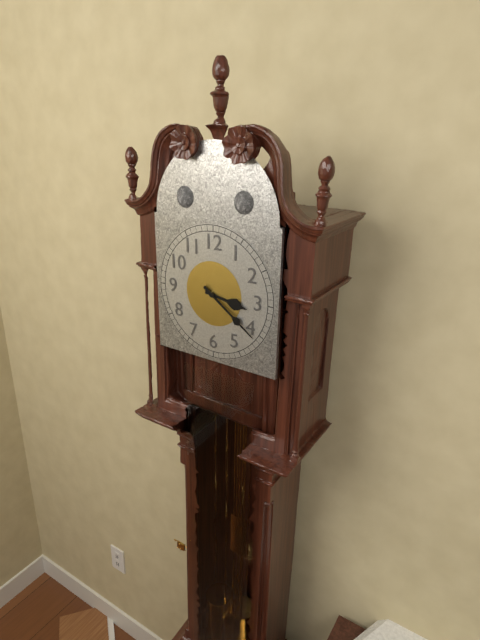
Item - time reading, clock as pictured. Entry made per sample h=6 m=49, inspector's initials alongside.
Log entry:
h=3 m=21
